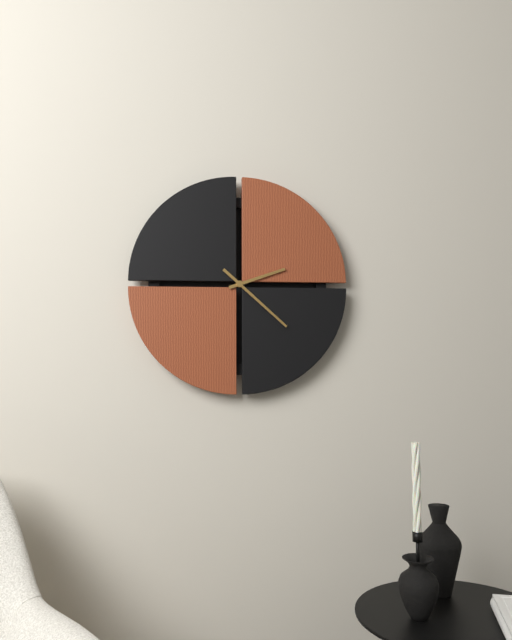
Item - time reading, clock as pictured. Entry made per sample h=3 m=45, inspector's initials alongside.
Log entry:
h=2 m=22
